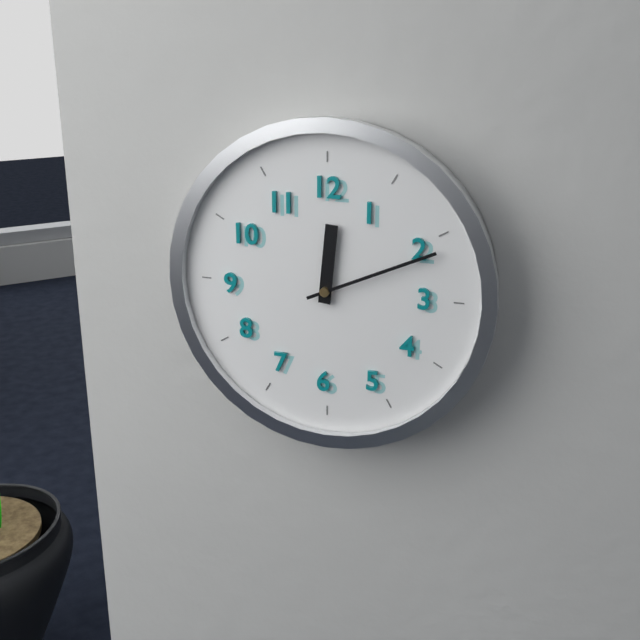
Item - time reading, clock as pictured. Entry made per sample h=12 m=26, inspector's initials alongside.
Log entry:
h=12 m=11
